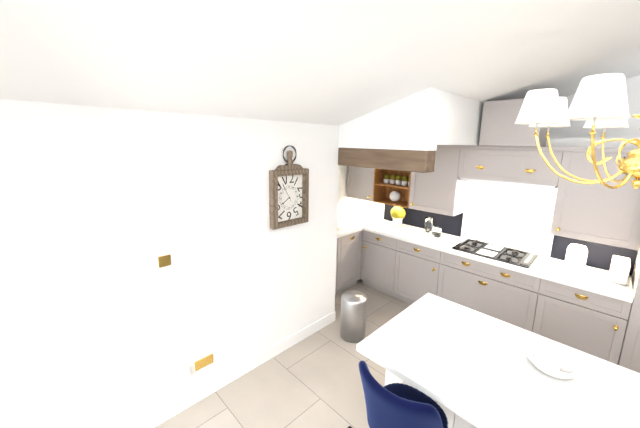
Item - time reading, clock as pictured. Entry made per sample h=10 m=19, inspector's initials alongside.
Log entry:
h=7 m=55
